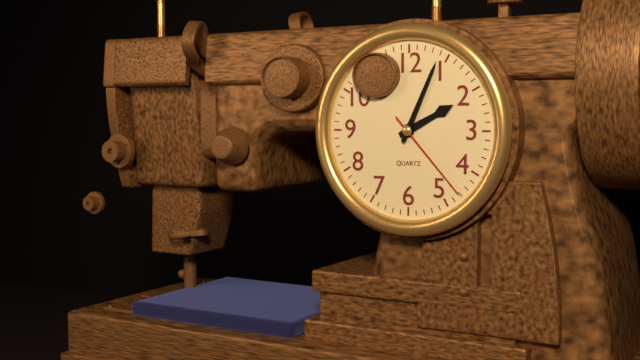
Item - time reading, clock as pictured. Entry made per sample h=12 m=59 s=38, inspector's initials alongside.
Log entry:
h=2 m=4 s=23
